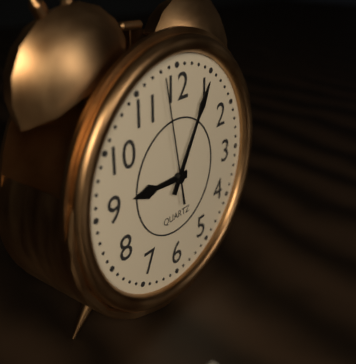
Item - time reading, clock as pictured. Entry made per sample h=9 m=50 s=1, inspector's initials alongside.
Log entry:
h=9 m=5 s=58
